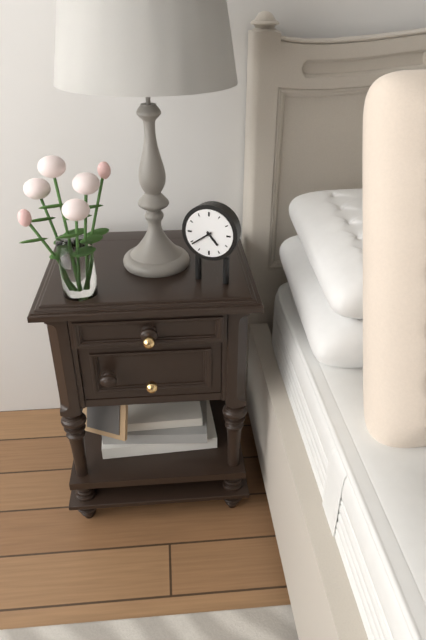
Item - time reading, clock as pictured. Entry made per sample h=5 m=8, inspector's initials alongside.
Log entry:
h=4 m=39
